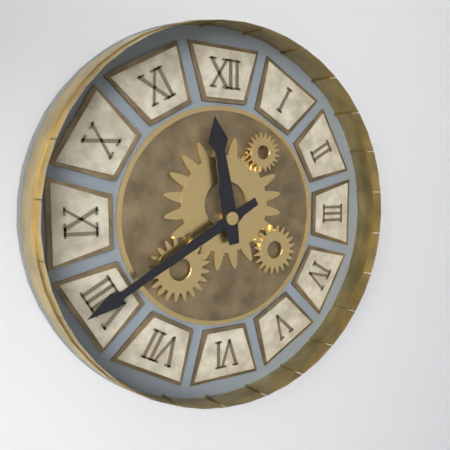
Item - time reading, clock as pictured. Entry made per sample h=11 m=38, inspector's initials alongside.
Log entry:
h=11 m=40
